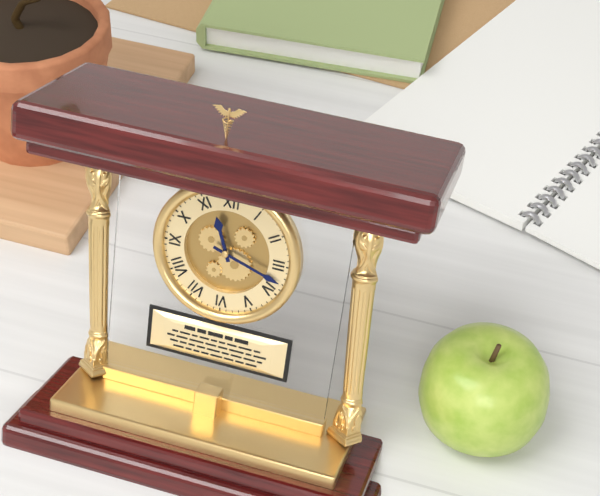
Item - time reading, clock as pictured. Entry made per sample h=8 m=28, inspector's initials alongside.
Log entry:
h=11 m=18
